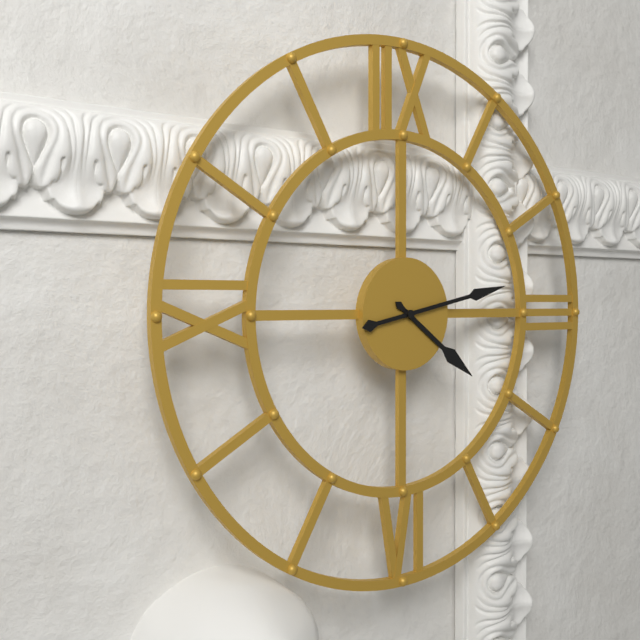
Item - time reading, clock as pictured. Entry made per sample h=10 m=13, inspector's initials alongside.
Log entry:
h=4 m=13
